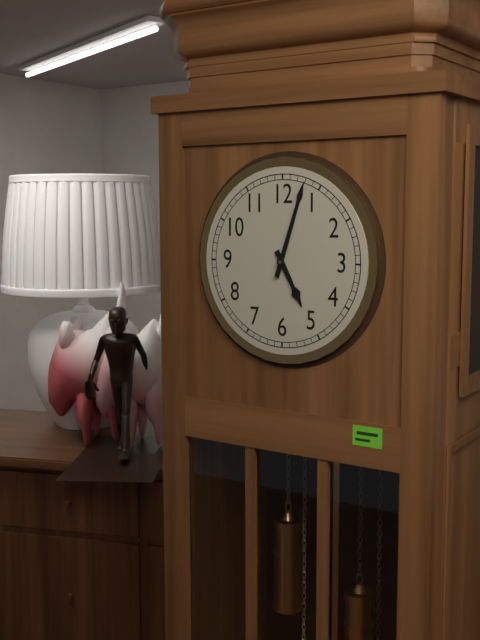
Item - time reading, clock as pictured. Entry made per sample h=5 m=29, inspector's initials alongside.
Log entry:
h=5 m=3
